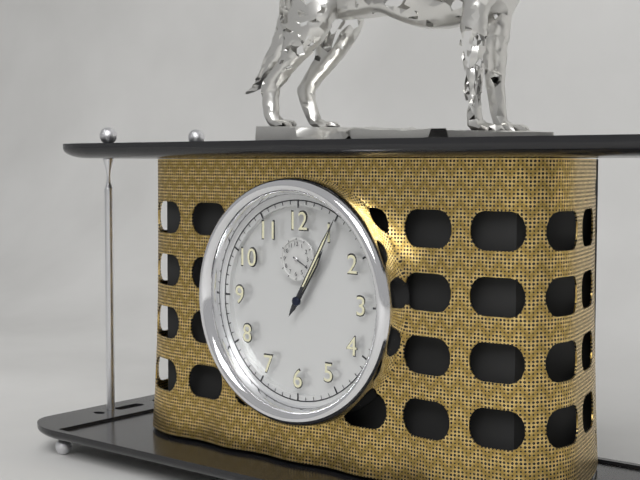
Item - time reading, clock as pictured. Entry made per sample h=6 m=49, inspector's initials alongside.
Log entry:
h=1 m=5
